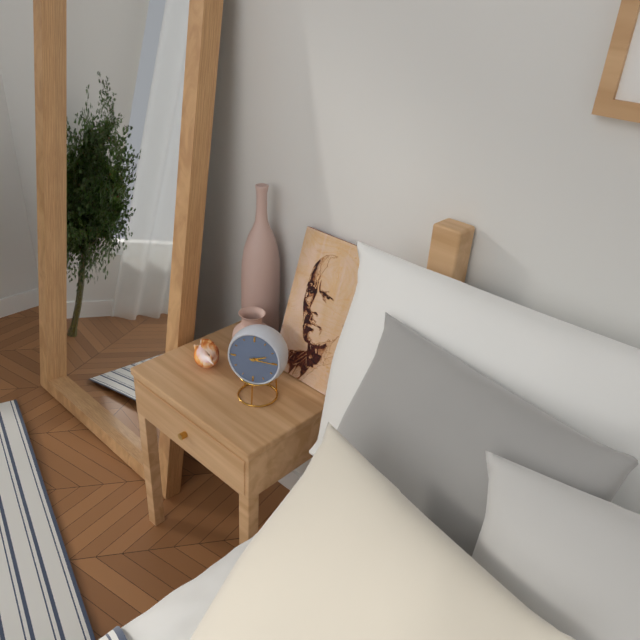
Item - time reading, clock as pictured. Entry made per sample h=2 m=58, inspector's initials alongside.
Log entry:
h=2 m=15
